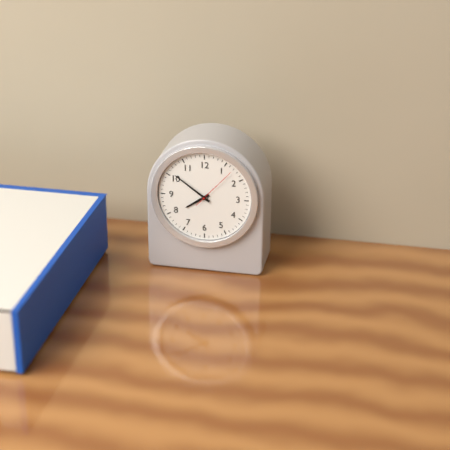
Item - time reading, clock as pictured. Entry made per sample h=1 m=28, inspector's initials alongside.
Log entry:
h=7 m=51
